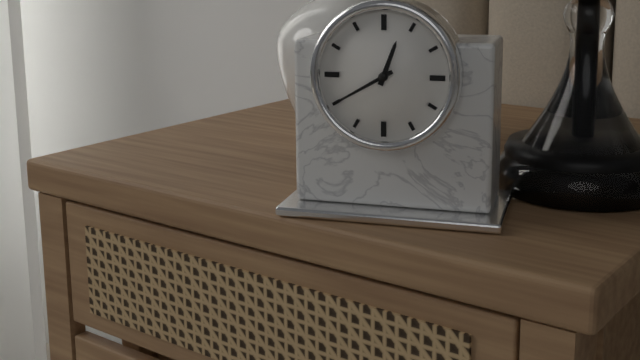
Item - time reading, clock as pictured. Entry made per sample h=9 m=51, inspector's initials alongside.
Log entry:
h=12 m=40
